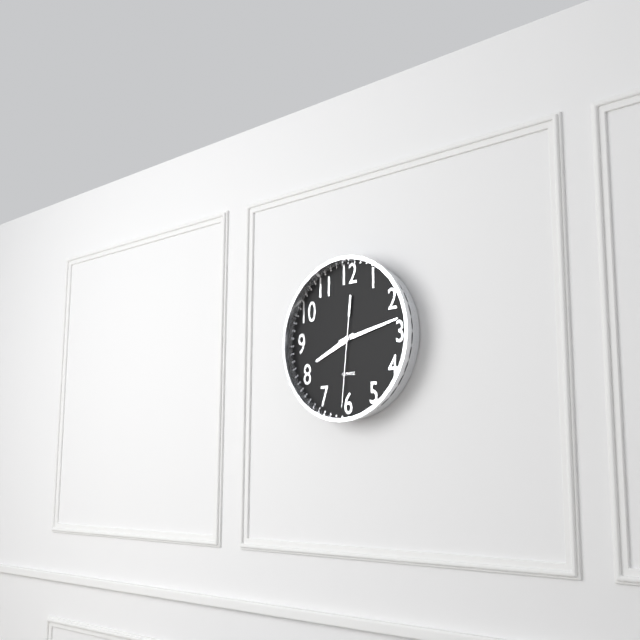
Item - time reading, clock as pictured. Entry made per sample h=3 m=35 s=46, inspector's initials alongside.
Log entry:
h=8 m=13 s=31
